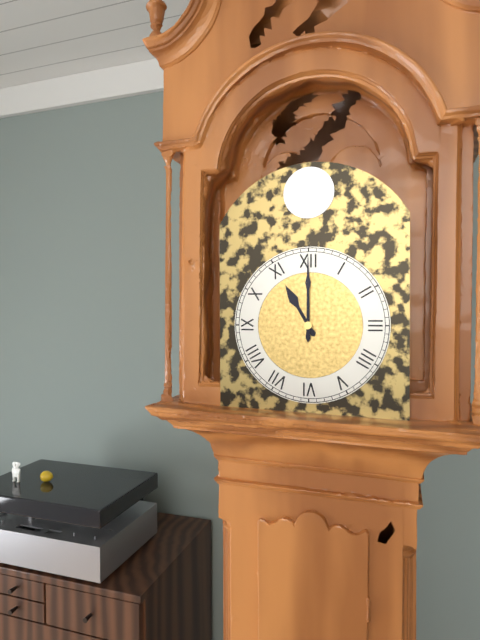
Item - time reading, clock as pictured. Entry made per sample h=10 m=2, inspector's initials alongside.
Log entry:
h=11 m=0
